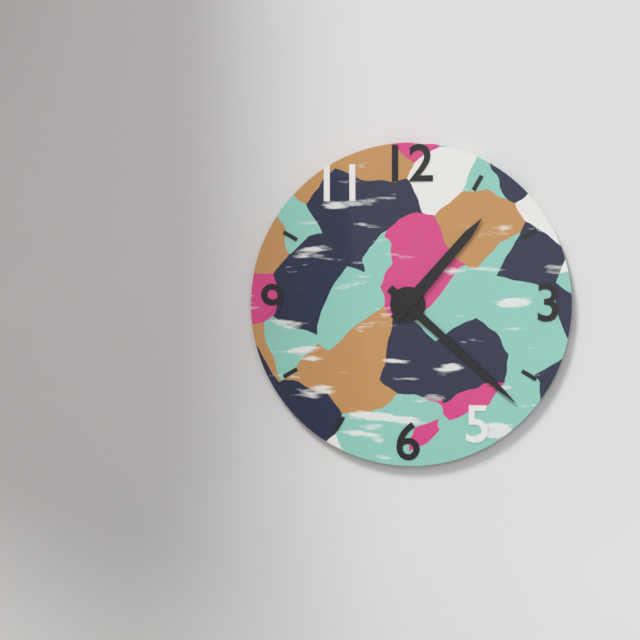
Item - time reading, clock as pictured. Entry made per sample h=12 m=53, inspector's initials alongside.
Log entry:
h=1 m=22
